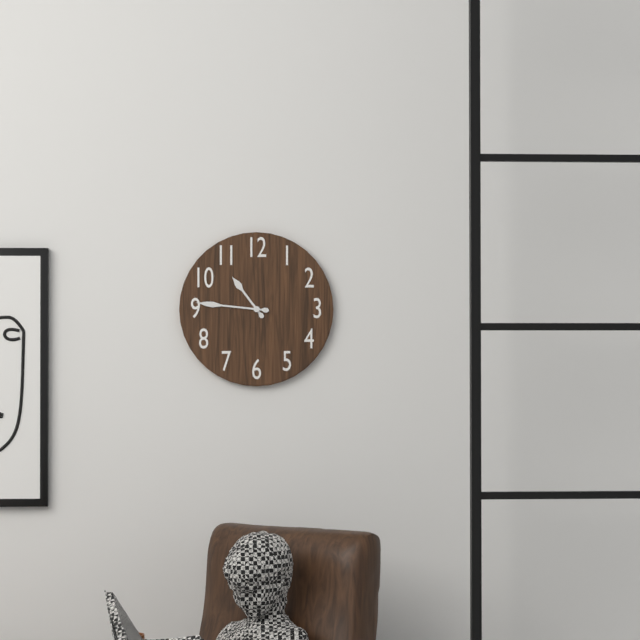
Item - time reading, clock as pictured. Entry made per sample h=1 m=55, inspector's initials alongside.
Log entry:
h=10 m=46
